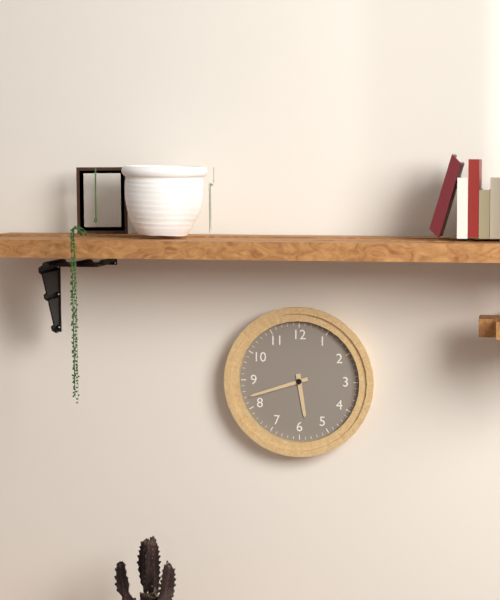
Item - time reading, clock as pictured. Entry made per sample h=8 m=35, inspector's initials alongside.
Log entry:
h=5 m=42
